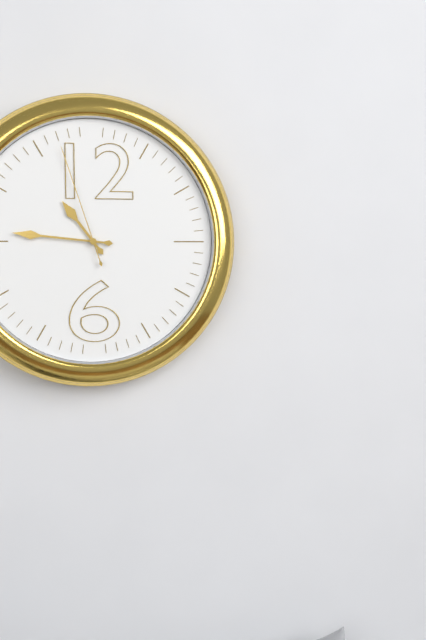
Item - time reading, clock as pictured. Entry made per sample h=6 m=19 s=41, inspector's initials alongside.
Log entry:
h=10 m=46 s=57
